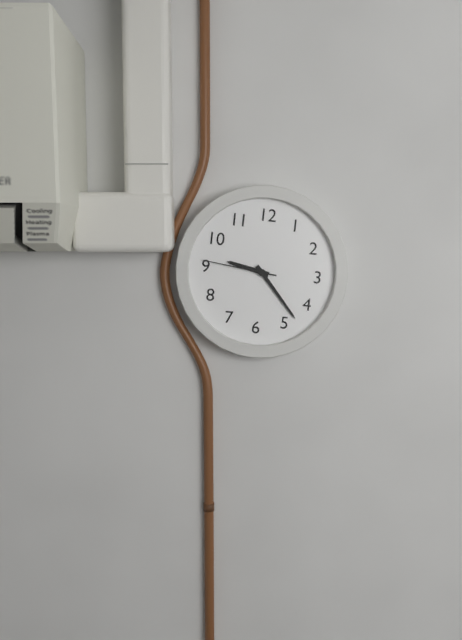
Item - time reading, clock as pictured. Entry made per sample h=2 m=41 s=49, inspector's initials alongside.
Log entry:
h=9 m=23 s=46
